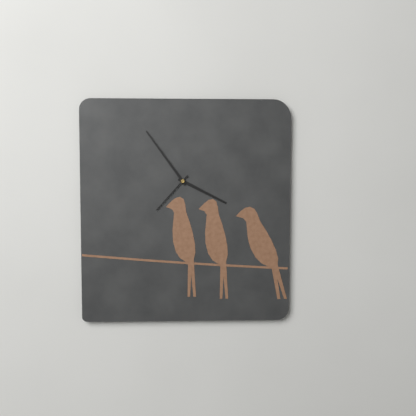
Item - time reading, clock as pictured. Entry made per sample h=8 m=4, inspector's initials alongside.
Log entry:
h=3 m=54
